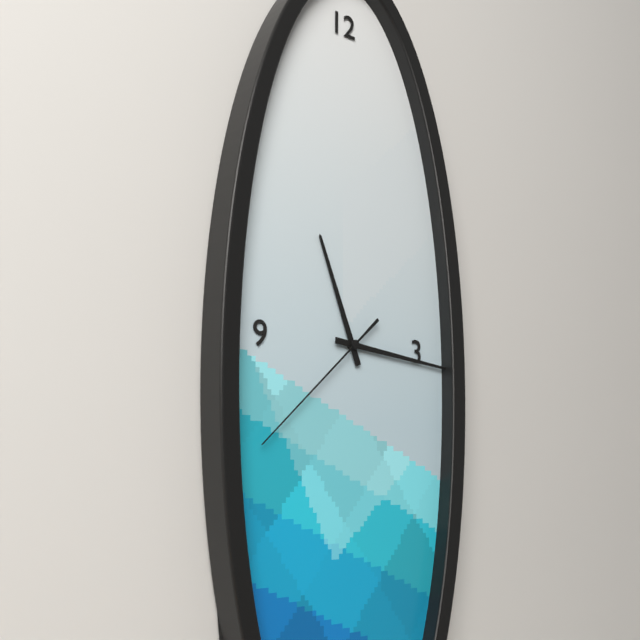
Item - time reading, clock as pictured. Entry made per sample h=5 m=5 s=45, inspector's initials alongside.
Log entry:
h=11 m=16 s=38
